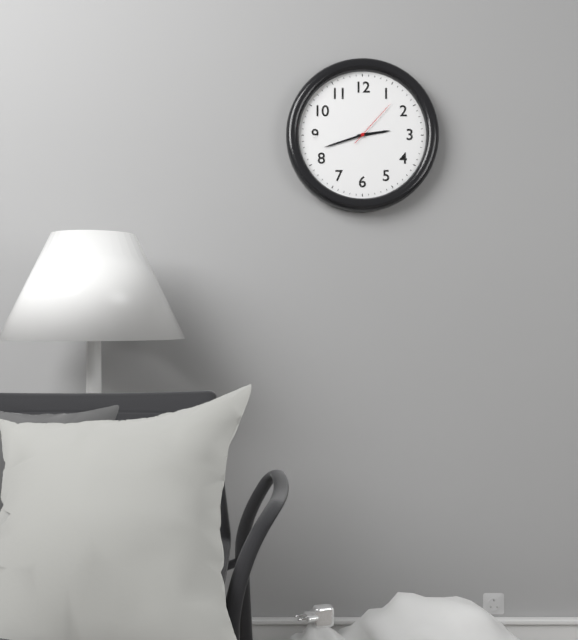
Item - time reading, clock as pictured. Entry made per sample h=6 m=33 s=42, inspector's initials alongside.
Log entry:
h=2 m=42 s=7
